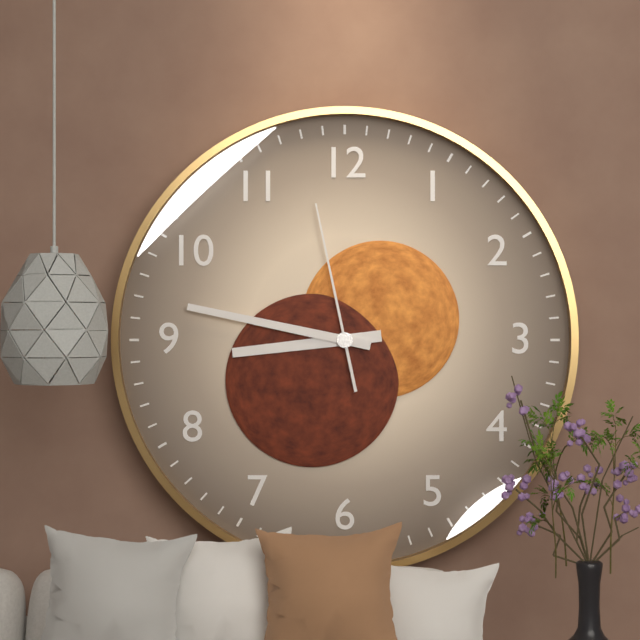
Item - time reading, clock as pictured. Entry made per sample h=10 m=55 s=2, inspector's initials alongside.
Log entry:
h=8 m=47 s=58
